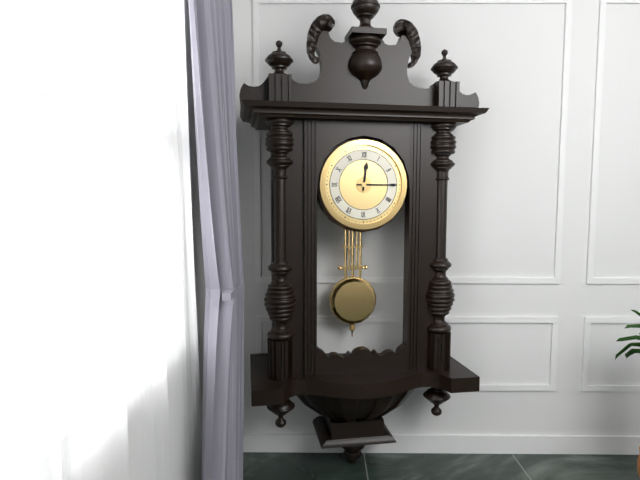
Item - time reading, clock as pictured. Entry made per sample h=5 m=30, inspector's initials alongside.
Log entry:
h=12 m=15
